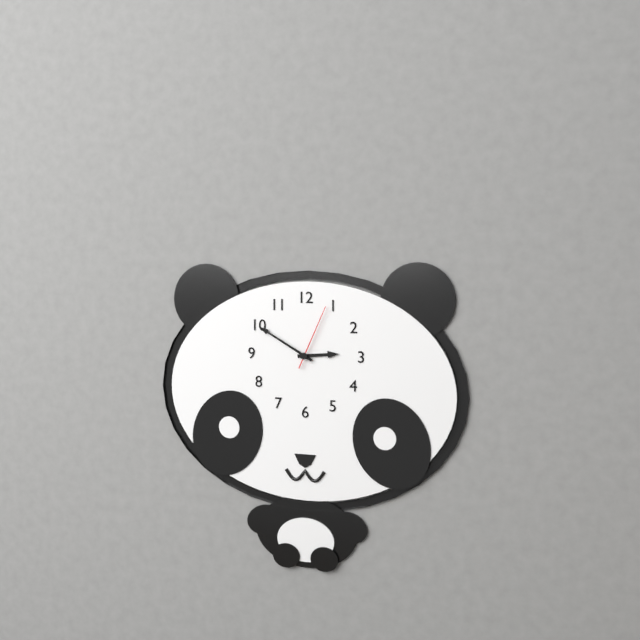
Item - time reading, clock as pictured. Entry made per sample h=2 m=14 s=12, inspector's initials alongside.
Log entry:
h=2 m=50 s=4
